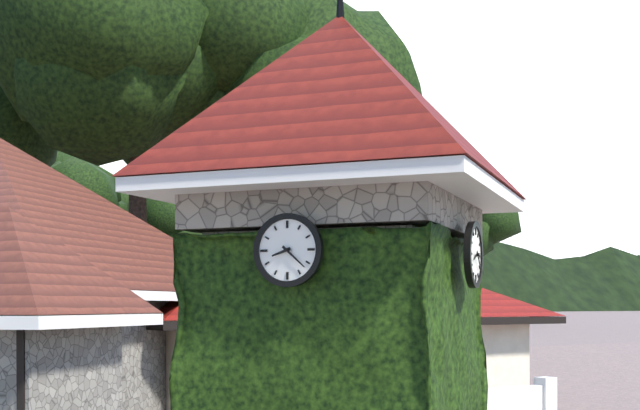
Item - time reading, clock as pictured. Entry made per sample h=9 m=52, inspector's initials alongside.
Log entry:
h=8 m=22
